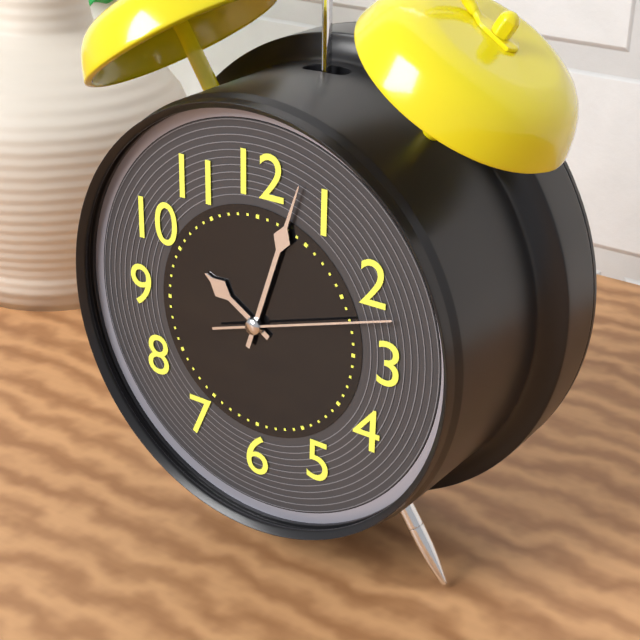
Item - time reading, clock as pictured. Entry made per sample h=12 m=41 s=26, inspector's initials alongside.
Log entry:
h=10 m=3 s=12
